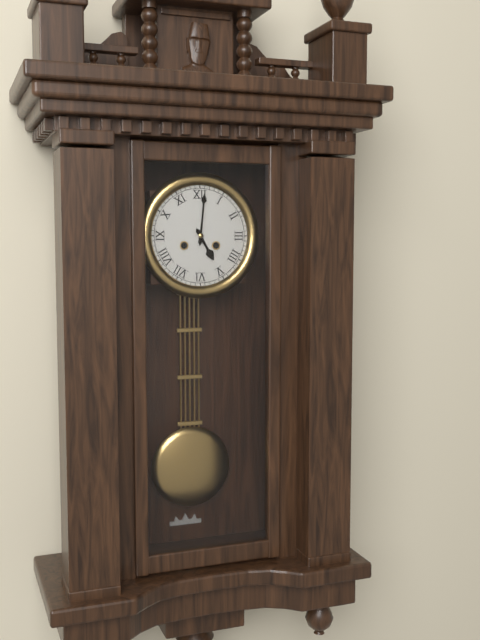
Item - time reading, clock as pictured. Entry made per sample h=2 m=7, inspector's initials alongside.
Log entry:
h=5 m=1
